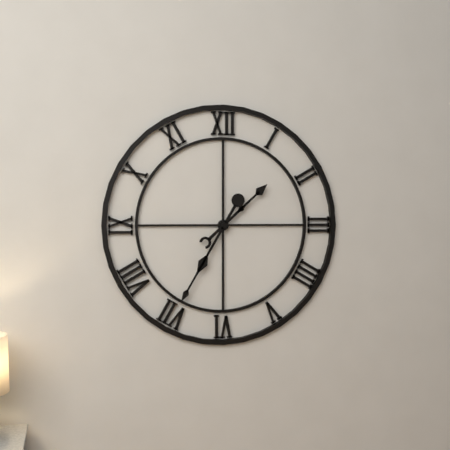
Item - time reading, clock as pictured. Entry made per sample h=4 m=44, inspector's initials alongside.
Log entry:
h=1 m=35
